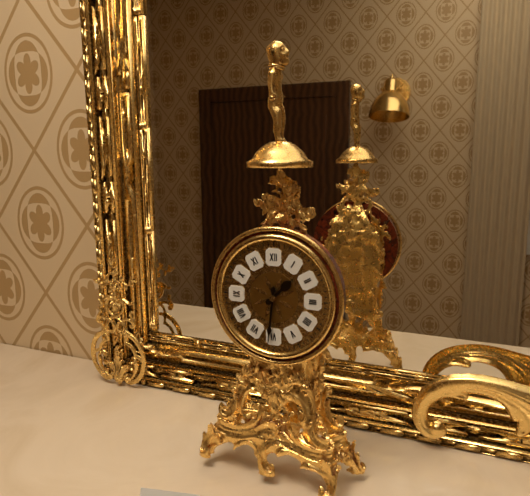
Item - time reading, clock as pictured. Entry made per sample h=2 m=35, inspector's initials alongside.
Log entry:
h=1 m=31
